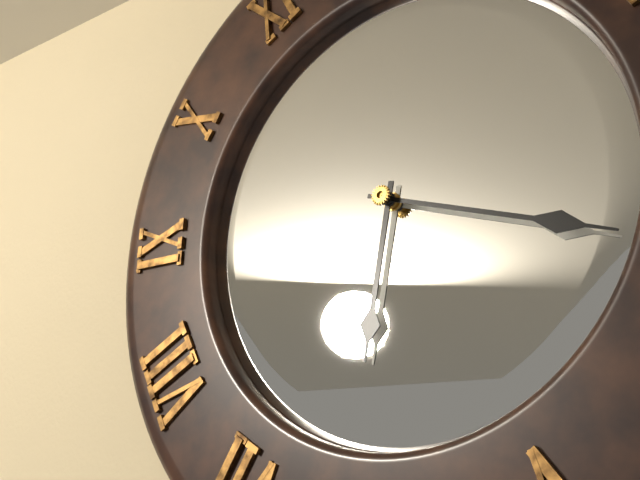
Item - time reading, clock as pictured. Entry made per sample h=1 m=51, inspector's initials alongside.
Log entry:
h=6 m=18
